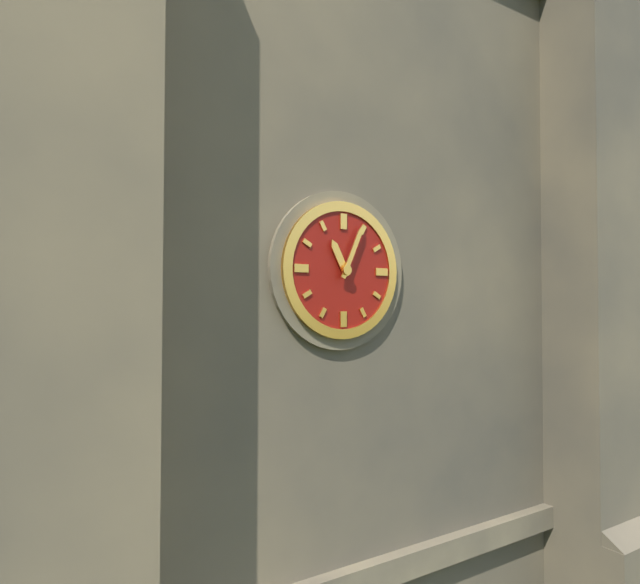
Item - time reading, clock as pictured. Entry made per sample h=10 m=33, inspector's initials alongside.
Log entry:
h=11 m=4
